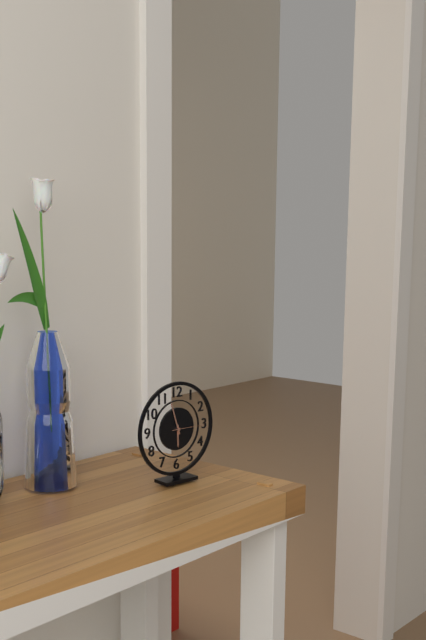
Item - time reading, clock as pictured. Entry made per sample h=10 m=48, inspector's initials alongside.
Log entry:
h=5 m=57
